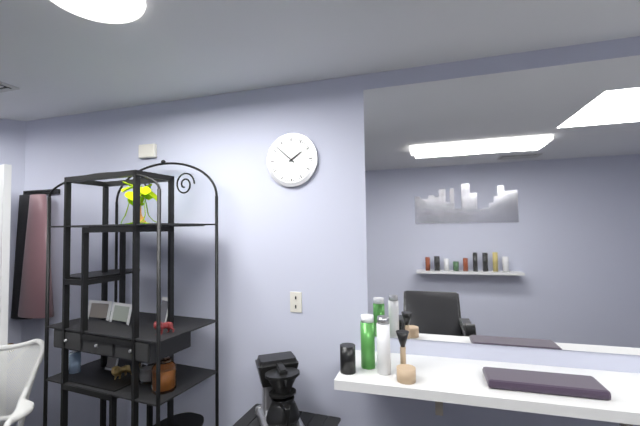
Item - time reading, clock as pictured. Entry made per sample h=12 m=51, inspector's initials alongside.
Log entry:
h=1 m=52
